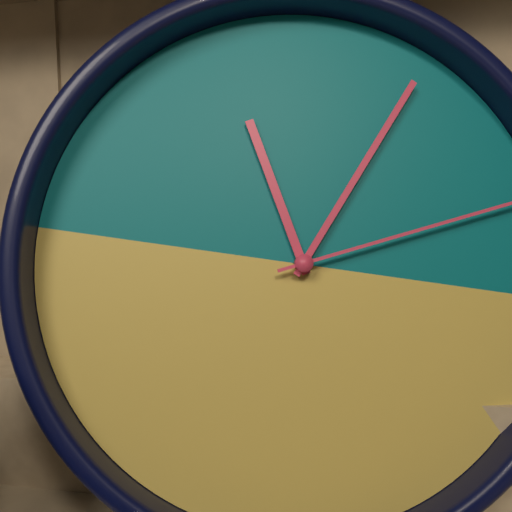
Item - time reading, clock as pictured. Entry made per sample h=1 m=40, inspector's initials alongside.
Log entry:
h=11 m=4
